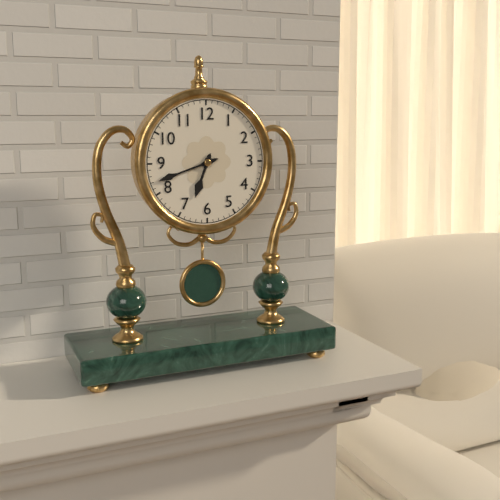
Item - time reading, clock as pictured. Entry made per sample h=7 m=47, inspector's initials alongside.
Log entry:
h=6 m=42
